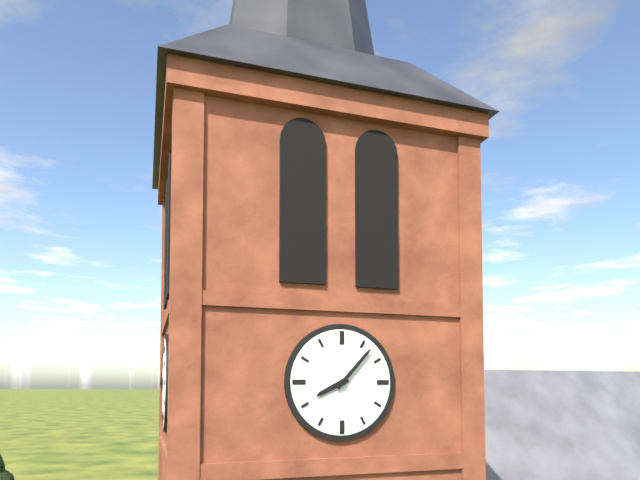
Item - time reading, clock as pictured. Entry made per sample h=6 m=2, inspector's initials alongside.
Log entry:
h=8 m=7
